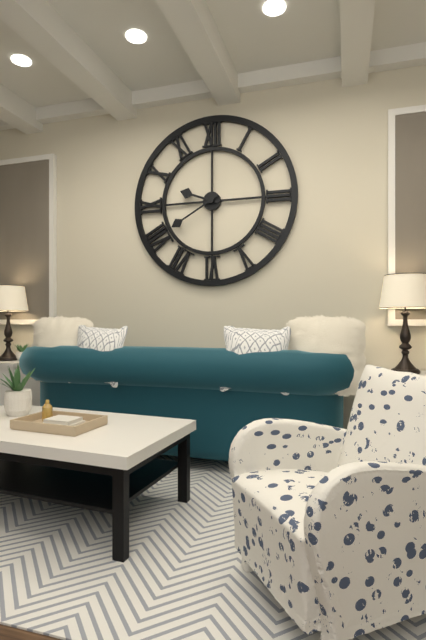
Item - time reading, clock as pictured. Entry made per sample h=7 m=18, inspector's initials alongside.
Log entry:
h=9 m=40
